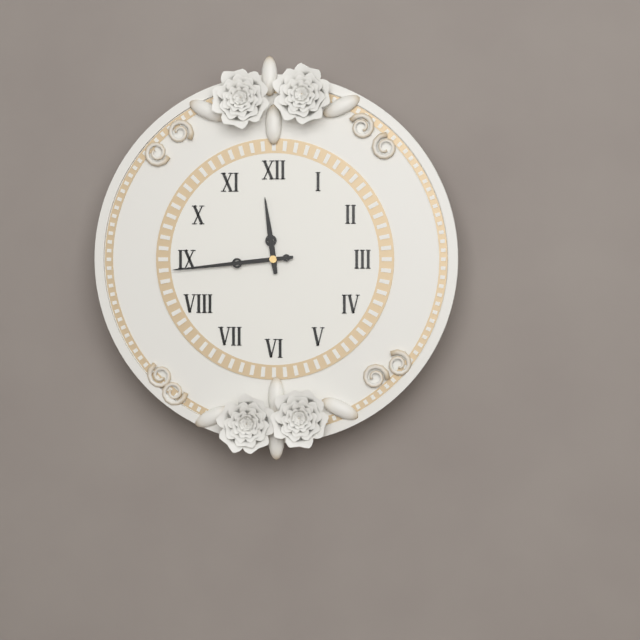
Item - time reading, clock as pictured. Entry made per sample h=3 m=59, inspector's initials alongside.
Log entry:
h=11 m=44
